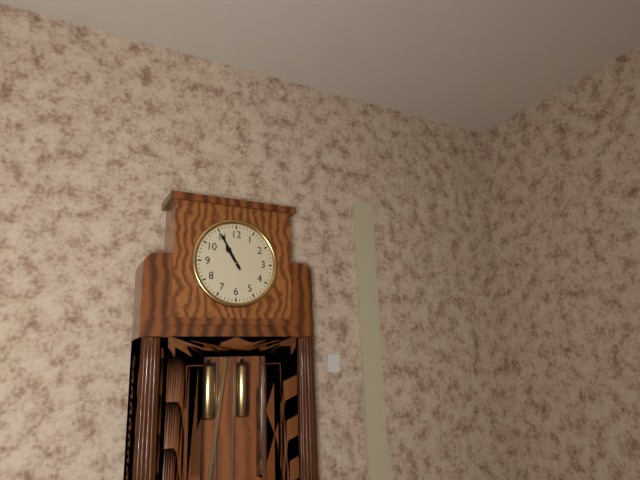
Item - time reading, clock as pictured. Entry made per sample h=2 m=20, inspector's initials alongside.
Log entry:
h=10 m=55
